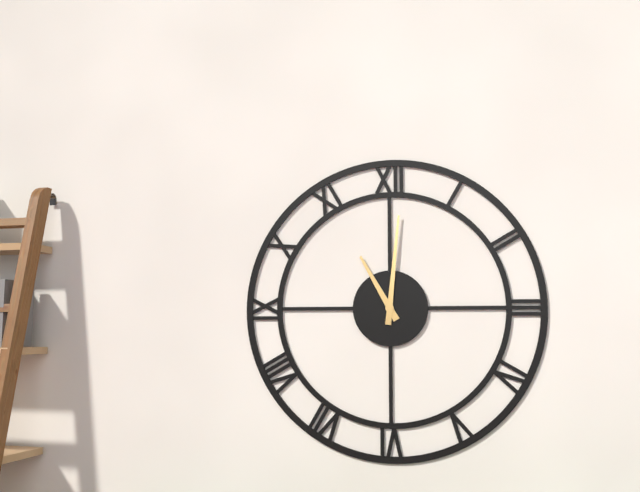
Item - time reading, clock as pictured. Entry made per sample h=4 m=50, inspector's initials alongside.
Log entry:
h=11 m=1
